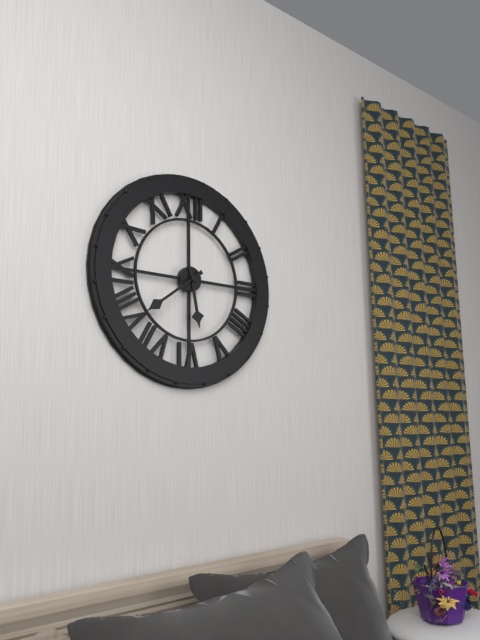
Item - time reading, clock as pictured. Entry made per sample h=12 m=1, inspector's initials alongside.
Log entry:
h=5 m=39
